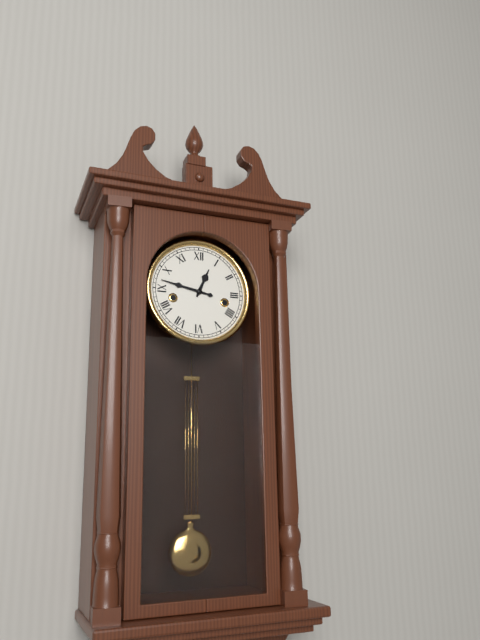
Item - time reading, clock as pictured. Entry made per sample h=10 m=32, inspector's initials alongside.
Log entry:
h=12 m=47
